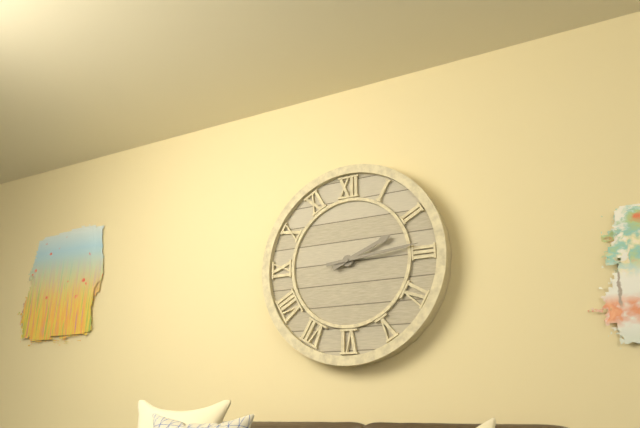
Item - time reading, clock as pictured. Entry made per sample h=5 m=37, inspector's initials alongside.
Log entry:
h=2 m=14
